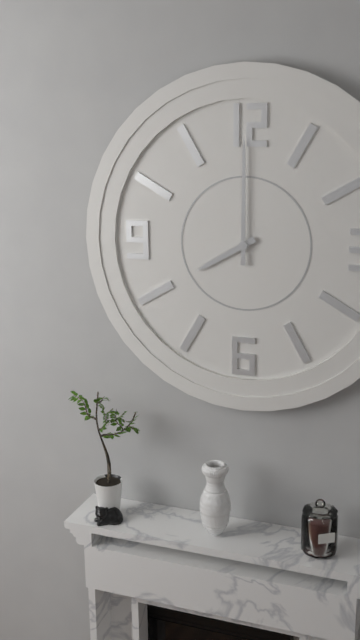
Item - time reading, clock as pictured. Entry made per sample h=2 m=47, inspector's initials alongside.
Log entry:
h=8 m=0
